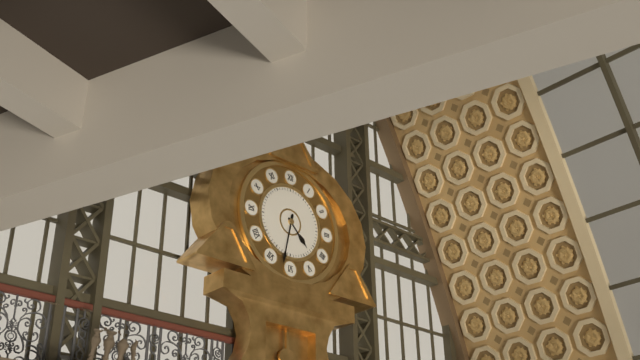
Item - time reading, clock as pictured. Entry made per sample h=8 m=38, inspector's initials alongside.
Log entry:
h=4 m=32
